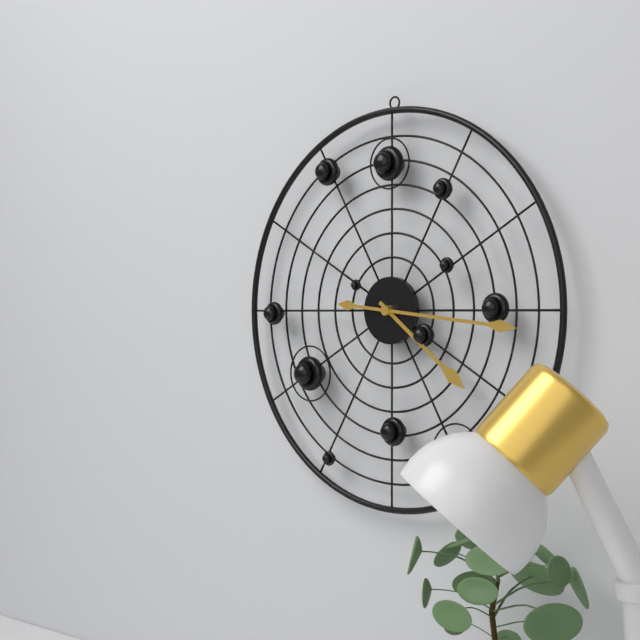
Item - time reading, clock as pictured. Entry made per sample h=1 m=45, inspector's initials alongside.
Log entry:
h=4 m=16
